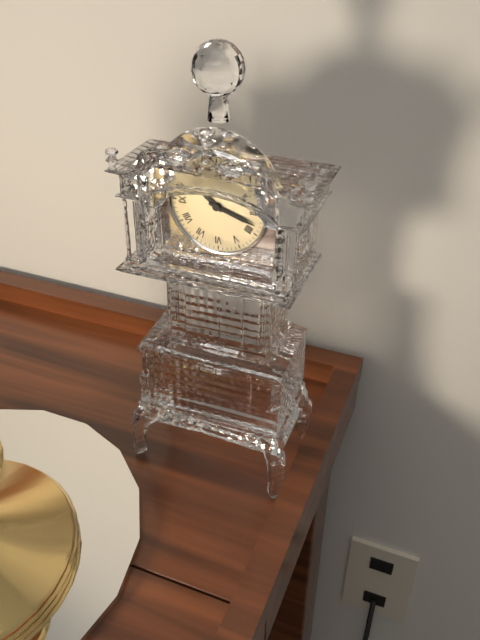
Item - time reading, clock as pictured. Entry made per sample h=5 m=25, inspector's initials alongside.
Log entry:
h=10 m=18
